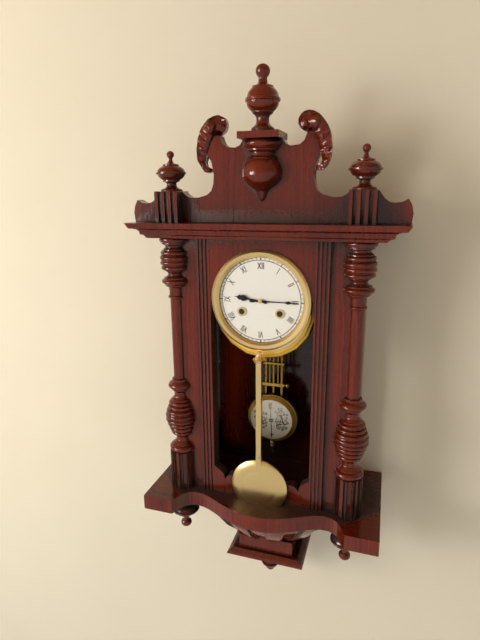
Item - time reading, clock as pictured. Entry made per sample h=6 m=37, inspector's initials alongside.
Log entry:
h=9 m=15
